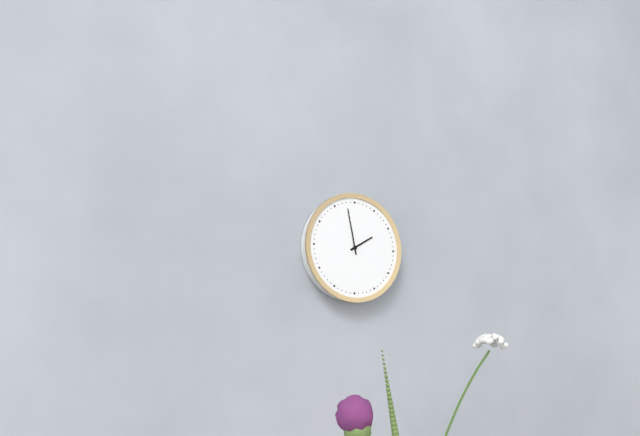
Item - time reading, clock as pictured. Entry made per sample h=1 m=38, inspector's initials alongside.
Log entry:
h=1 m=58
